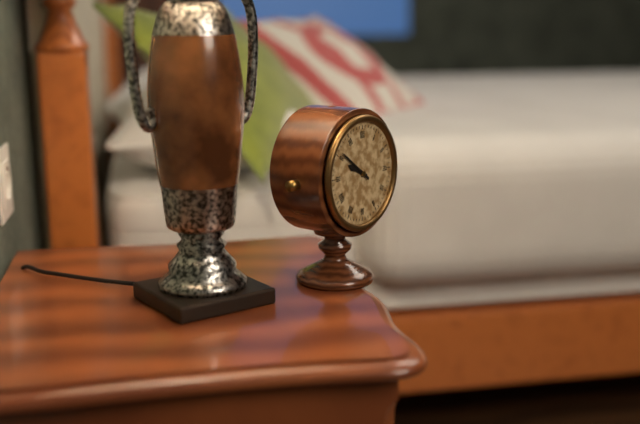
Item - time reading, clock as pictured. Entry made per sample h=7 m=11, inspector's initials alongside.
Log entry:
h=9 m=51
